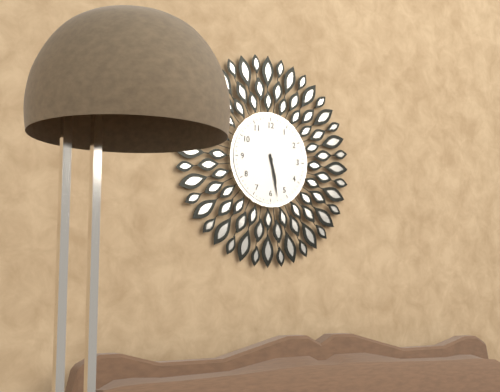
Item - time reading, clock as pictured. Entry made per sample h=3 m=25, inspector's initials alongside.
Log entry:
h=5 m=28
